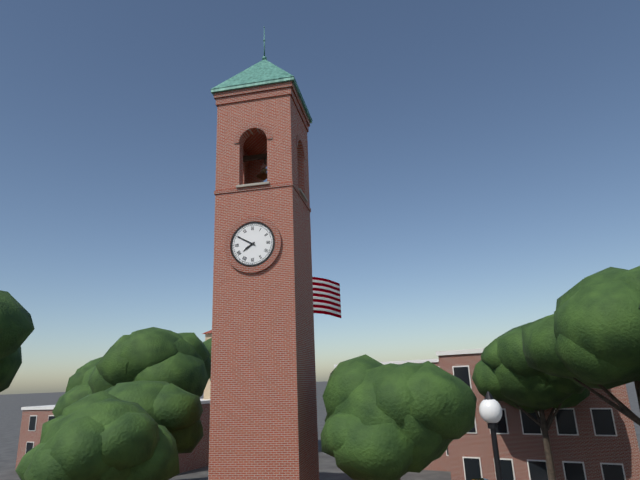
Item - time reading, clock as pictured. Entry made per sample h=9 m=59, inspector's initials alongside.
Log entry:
h=7 m=50
